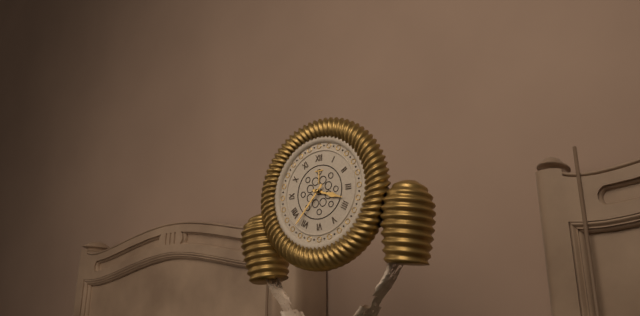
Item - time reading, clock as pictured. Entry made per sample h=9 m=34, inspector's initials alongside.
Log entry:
h=3 m=37
